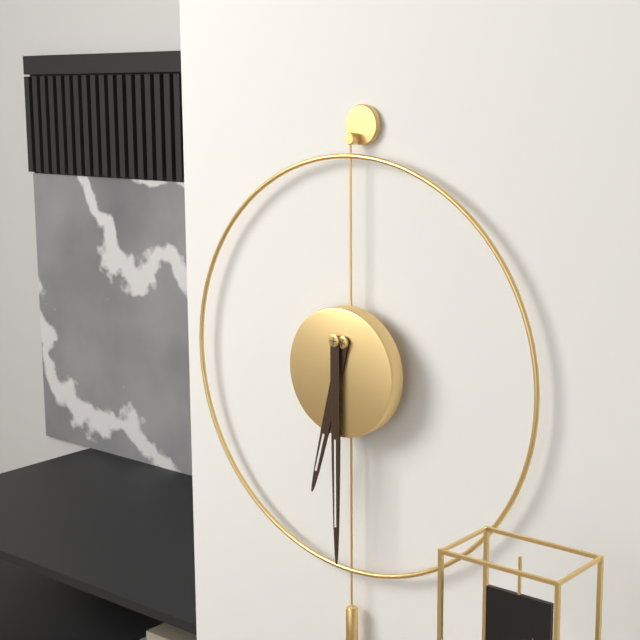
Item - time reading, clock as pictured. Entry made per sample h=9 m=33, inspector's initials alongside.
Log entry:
h=6 m=30
